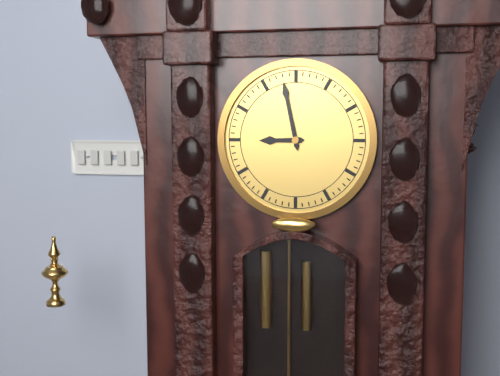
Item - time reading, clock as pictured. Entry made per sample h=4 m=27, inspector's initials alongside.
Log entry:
h=8 m=58
